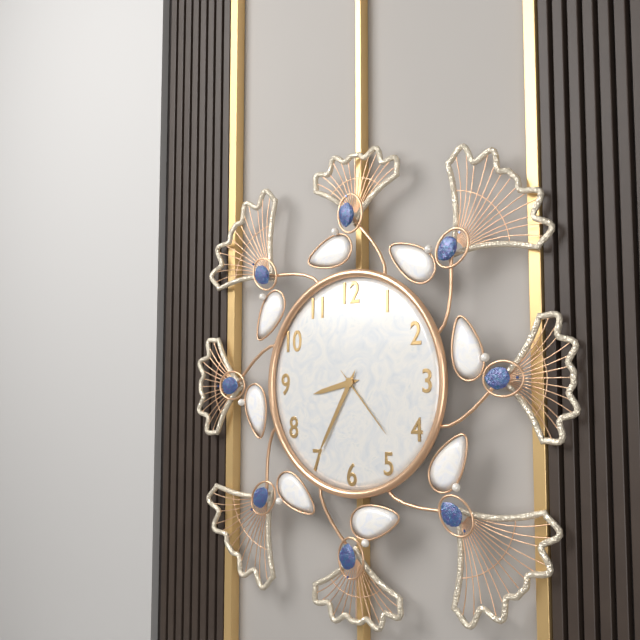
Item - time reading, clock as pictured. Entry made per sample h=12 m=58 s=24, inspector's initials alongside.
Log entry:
h=8 m=35 s=23
